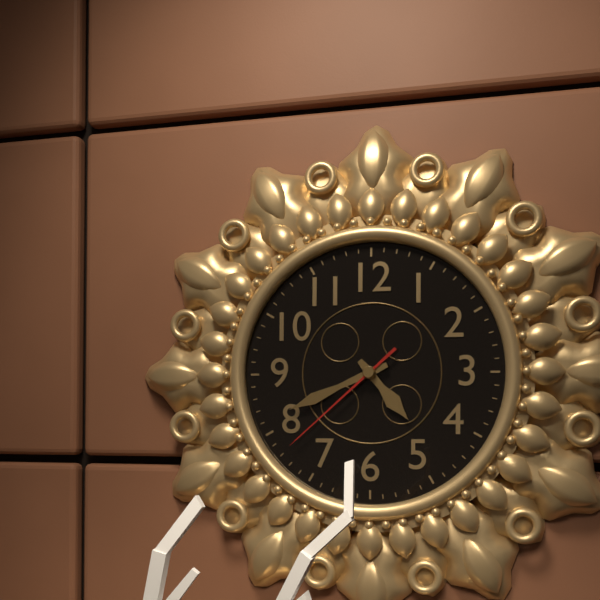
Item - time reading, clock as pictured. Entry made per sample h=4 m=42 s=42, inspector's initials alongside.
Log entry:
h=4 m=41 s=38
